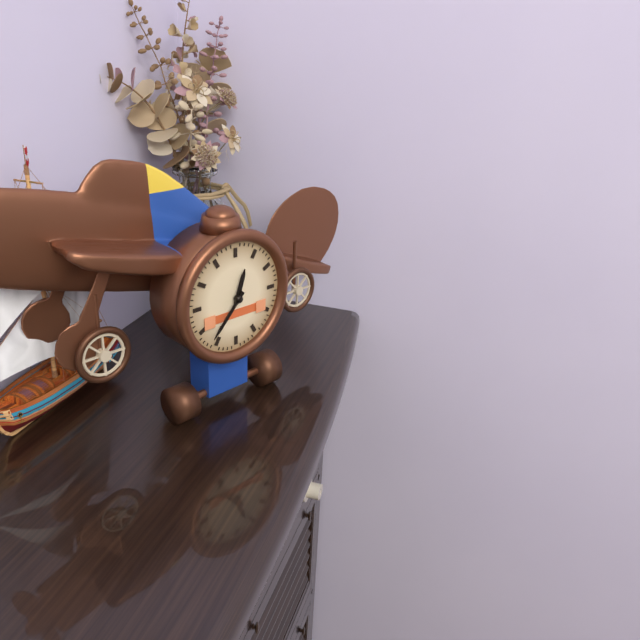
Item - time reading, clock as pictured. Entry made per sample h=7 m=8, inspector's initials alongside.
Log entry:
h=12 m=37
